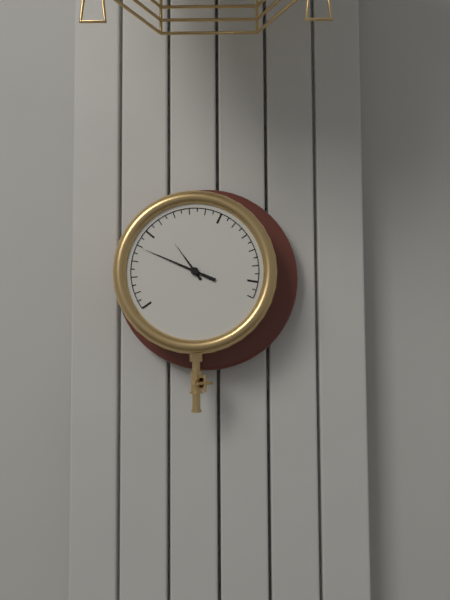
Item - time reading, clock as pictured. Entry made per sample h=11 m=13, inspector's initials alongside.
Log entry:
h=10 m=49
